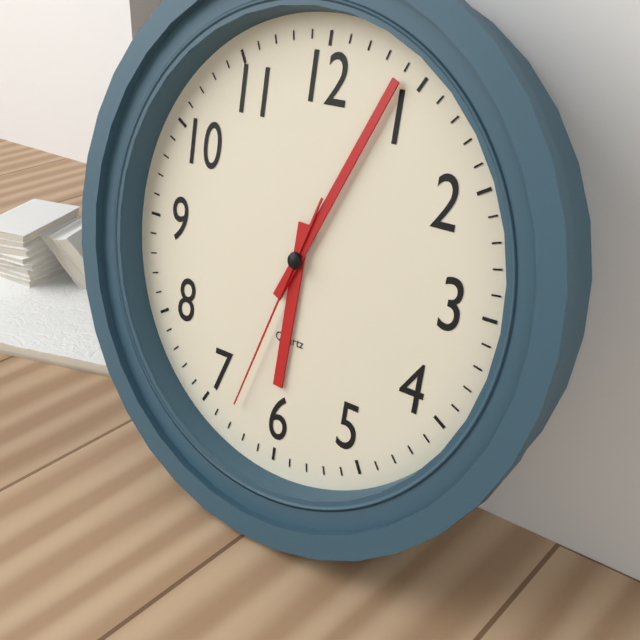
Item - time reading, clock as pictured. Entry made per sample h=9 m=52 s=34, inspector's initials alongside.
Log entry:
h=6 m=4 s=33
